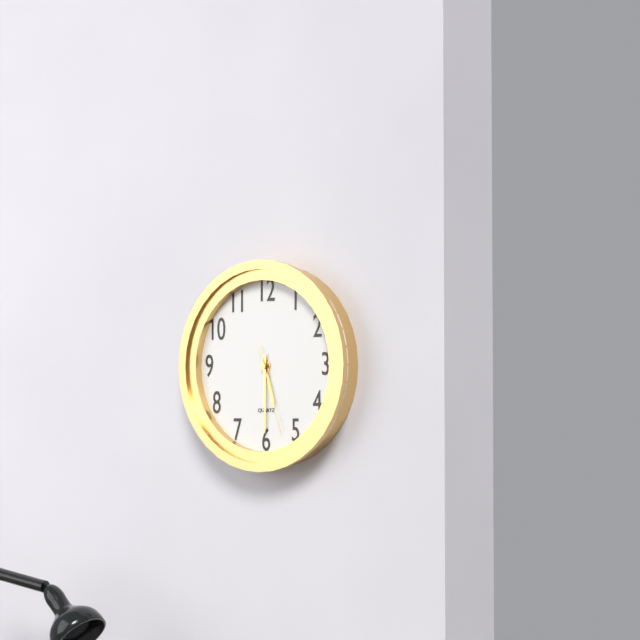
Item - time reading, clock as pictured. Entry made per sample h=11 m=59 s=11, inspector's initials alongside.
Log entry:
h=5 m=30 s=27
